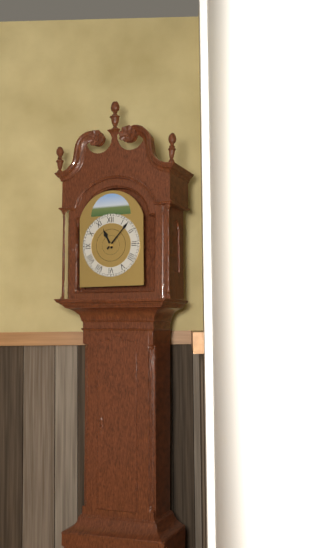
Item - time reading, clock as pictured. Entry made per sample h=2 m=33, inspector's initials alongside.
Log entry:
h=11 m=7
